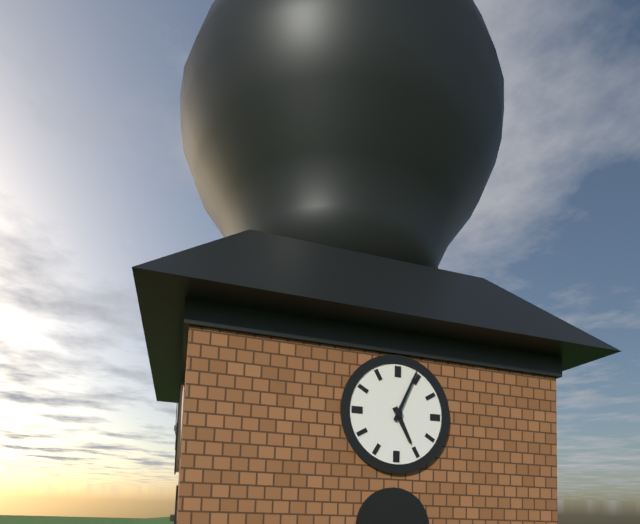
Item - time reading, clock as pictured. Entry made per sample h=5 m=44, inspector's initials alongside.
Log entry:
h=5 m=4
